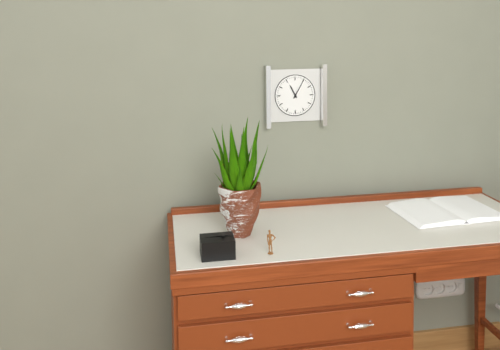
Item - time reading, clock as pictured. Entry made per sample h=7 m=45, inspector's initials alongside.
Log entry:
h=11 m=5
